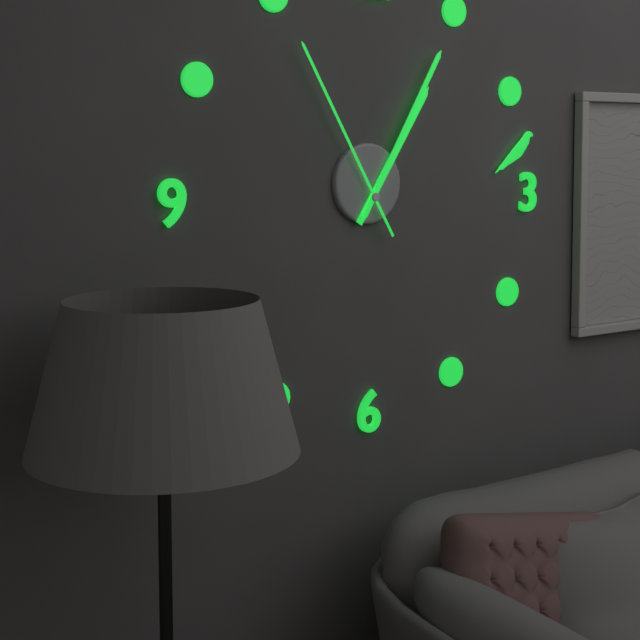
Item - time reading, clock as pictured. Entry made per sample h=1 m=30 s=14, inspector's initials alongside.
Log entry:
h=1 m=5 s=55
